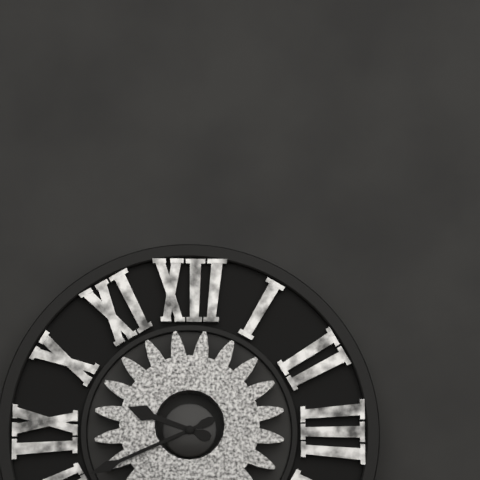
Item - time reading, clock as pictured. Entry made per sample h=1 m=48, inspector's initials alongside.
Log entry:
h=9 m=41
